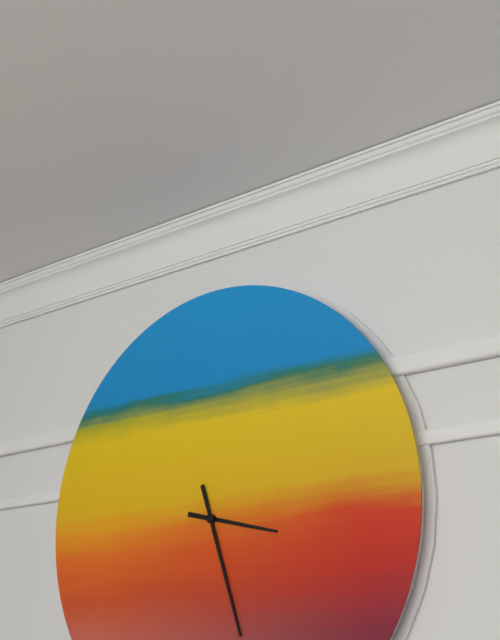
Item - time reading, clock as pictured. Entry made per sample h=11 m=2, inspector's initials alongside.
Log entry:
h=3 m=27
